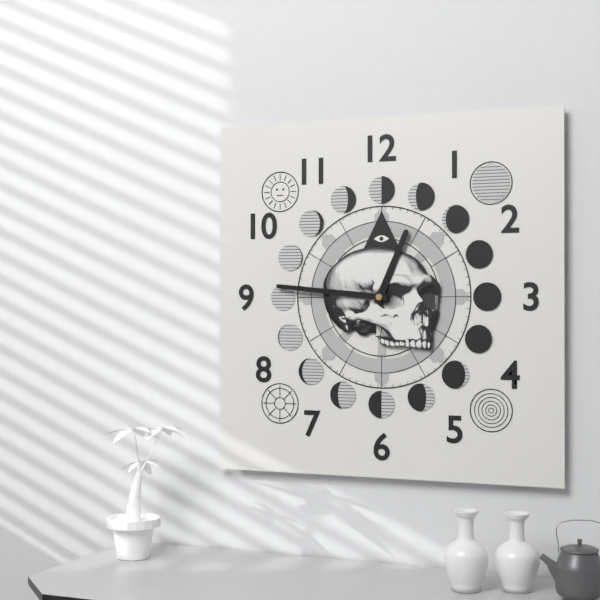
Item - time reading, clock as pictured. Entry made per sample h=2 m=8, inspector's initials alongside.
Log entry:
h=12 m=46
